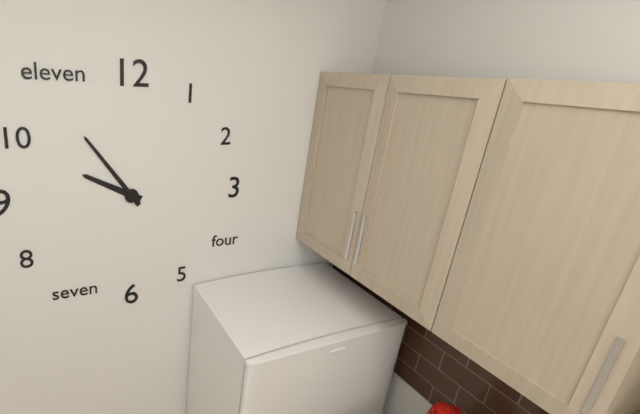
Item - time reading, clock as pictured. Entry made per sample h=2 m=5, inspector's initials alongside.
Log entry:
h=9 m=54
